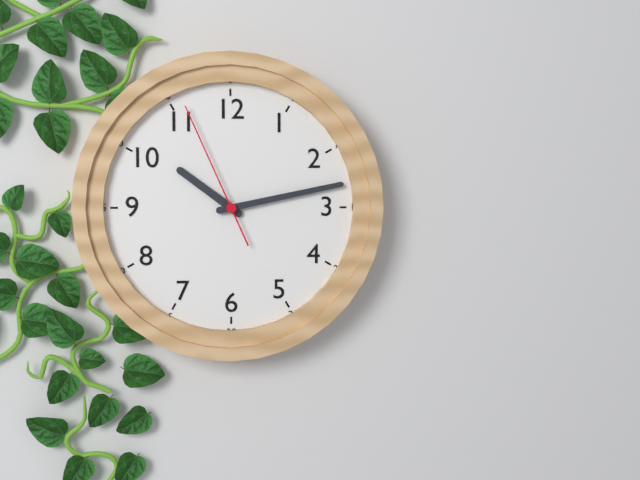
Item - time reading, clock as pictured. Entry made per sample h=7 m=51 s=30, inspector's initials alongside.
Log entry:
h=10 m=13 s=56
